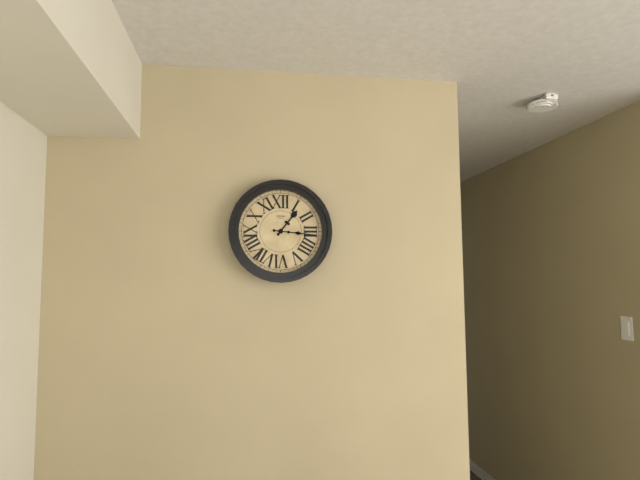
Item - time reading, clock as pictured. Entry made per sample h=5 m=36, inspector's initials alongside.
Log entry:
h=1 m=16
